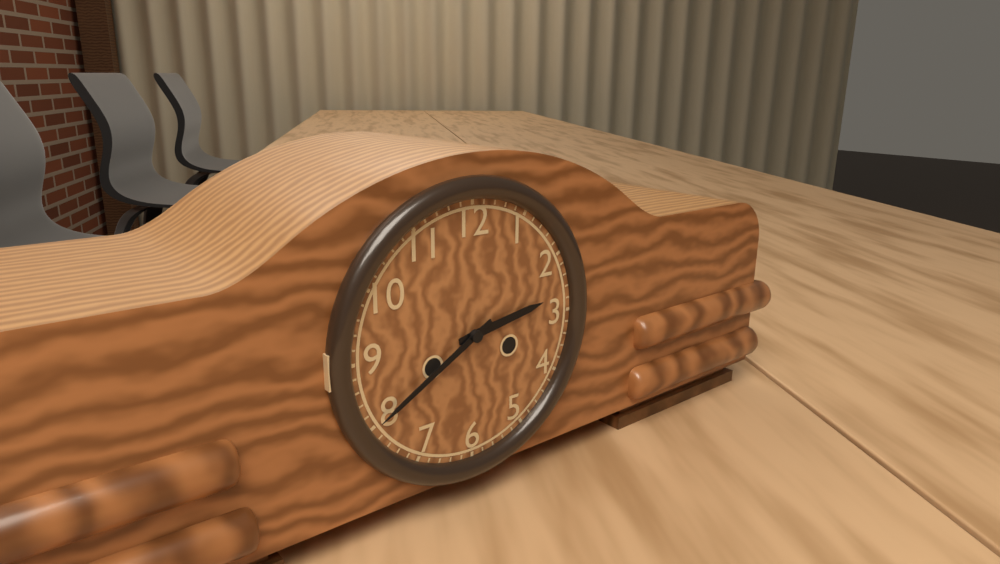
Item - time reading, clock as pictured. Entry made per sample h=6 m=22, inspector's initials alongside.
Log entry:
h=2 m=40
